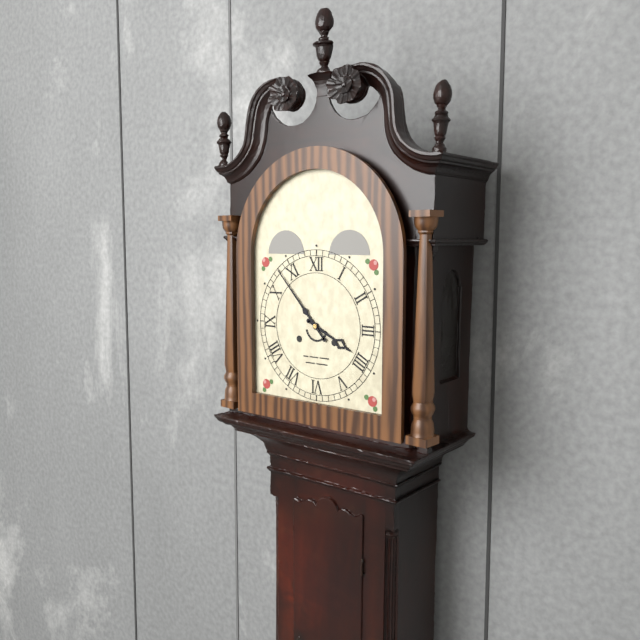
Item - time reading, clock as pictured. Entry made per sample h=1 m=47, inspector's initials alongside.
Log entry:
h=3 m=53
